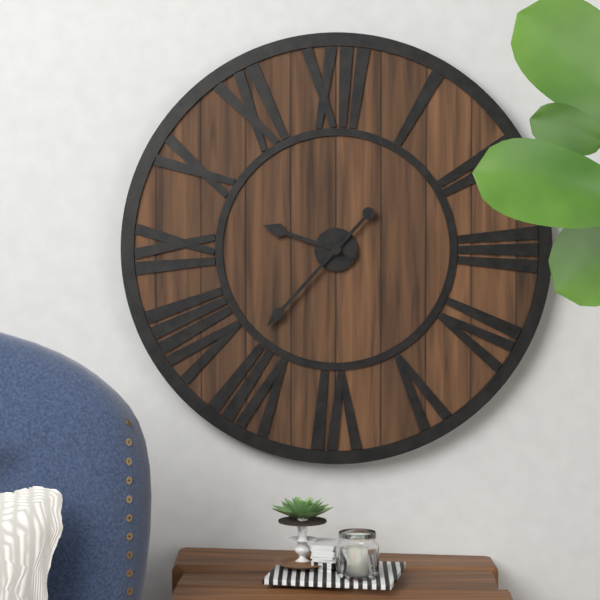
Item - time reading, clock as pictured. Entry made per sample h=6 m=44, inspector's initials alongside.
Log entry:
h=9 m=37
